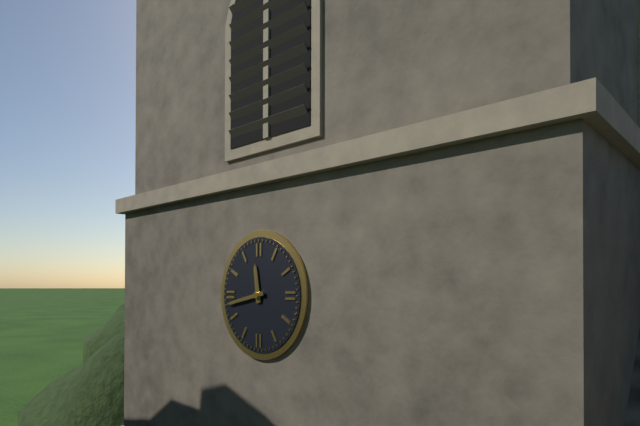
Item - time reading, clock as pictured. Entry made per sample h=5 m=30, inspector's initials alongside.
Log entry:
h=11 m=43
